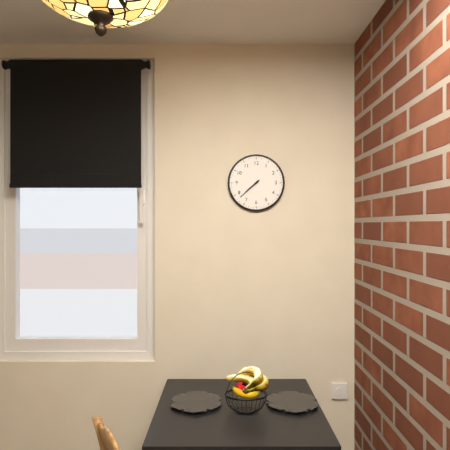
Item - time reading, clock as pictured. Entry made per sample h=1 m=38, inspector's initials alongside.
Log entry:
h=7 m=38
